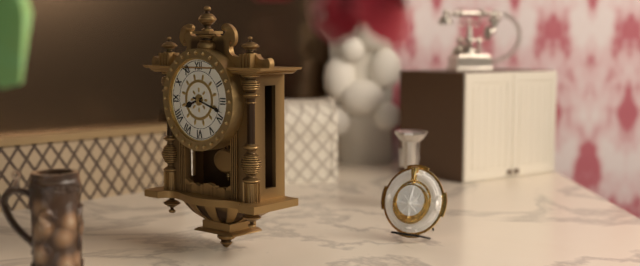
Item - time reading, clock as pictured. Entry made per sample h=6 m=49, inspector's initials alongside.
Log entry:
h=8 m=18
